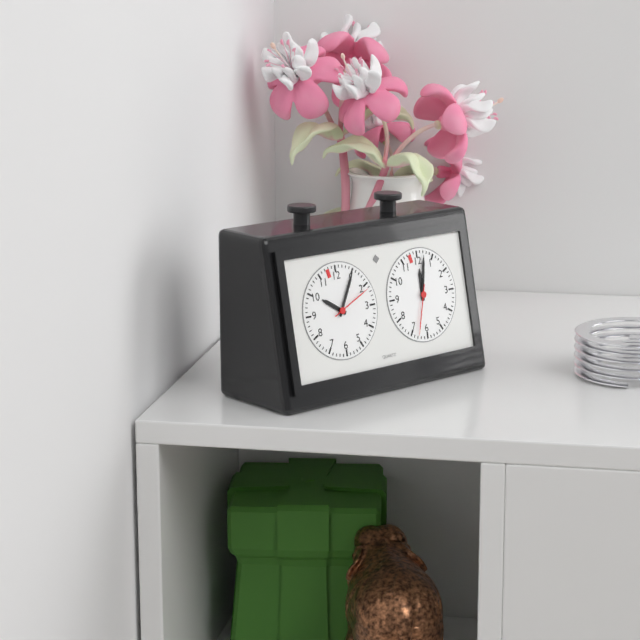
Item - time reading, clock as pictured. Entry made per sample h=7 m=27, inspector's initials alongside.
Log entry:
h=10 m=5
